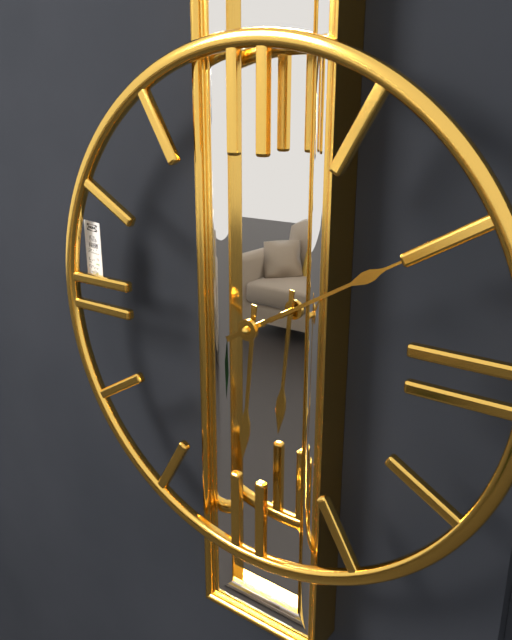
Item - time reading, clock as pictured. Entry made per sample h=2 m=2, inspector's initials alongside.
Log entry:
h=6 m=10
